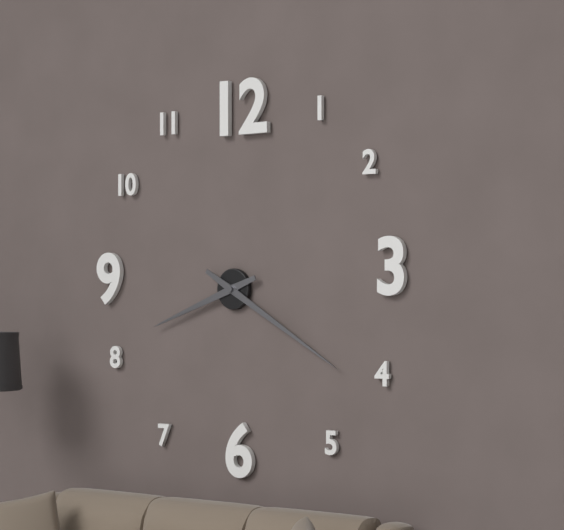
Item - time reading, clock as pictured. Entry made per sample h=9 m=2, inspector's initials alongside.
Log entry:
h=8 m=20
